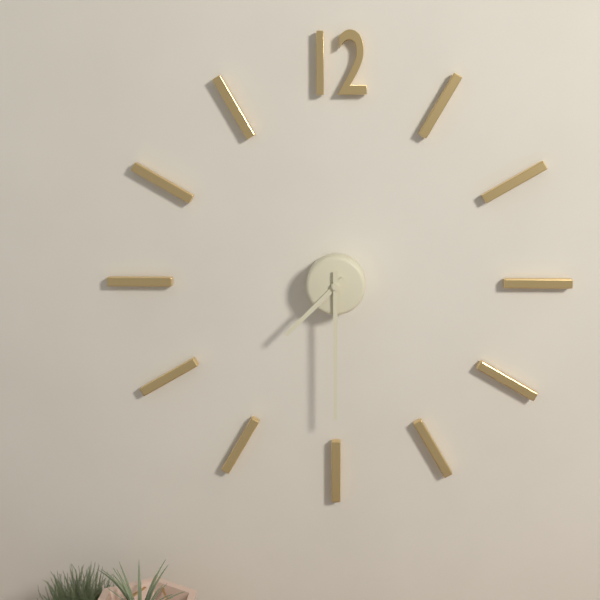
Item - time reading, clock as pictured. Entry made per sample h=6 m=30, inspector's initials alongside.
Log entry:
h=7 m=30
